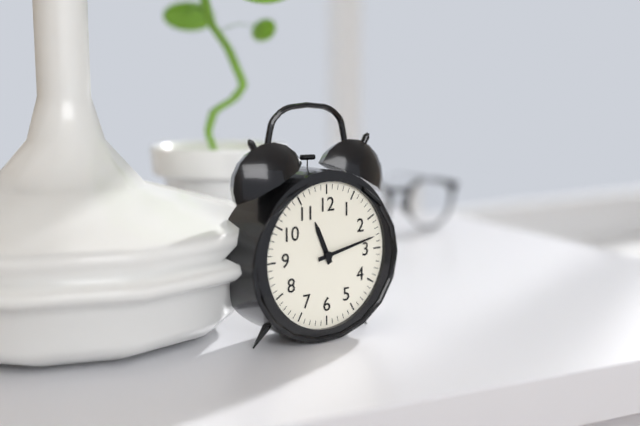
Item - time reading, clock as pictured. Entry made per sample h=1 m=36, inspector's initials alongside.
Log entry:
h=11 m=13
